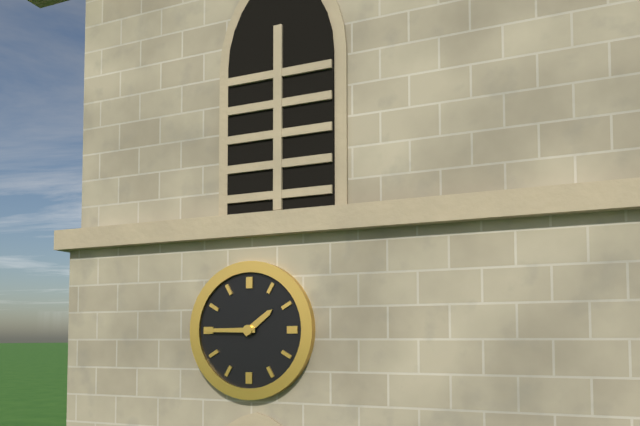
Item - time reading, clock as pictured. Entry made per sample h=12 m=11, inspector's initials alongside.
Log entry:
h=1 m=45
